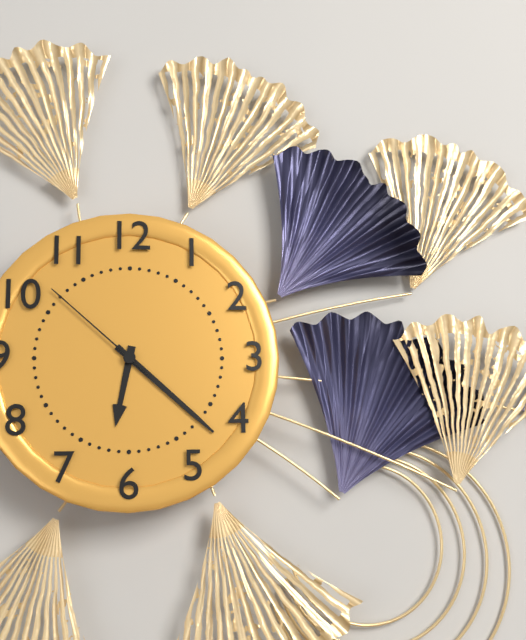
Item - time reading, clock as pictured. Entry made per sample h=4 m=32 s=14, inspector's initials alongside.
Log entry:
h=6 m=22 s=52
